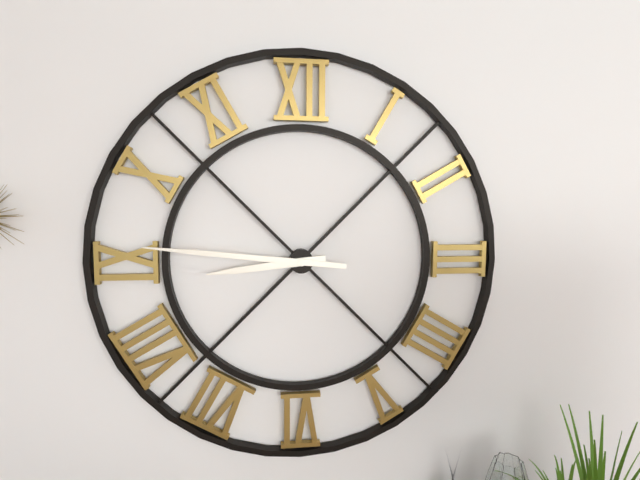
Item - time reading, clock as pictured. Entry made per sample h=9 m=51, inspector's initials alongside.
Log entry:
h=8 m=46
